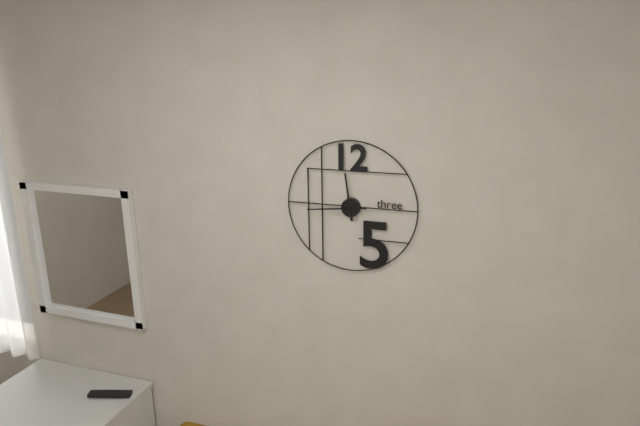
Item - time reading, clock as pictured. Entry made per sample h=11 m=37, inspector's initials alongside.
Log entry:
h=11 m=44
